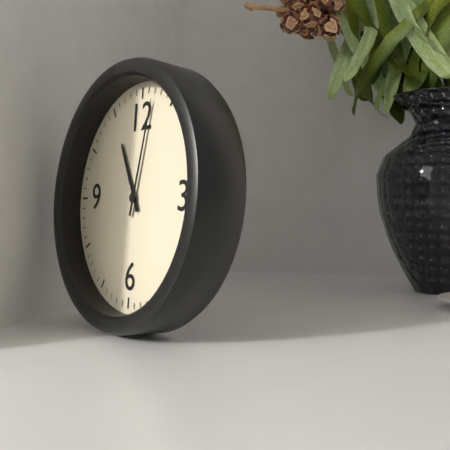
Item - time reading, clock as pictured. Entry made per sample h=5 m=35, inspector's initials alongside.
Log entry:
h=11 m=2
